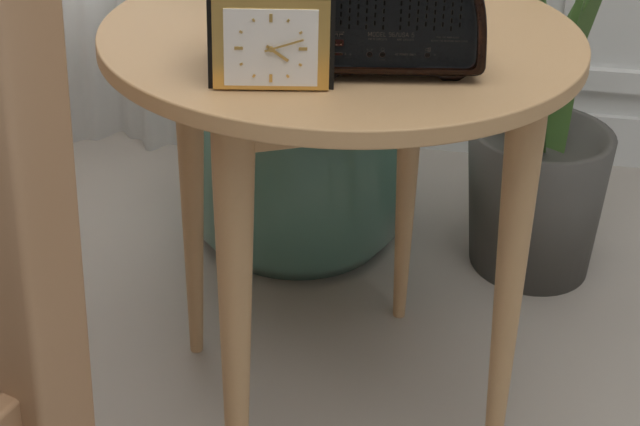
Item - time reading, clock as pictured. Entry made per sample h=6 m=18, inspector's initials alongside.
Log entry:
h=4 m=12
